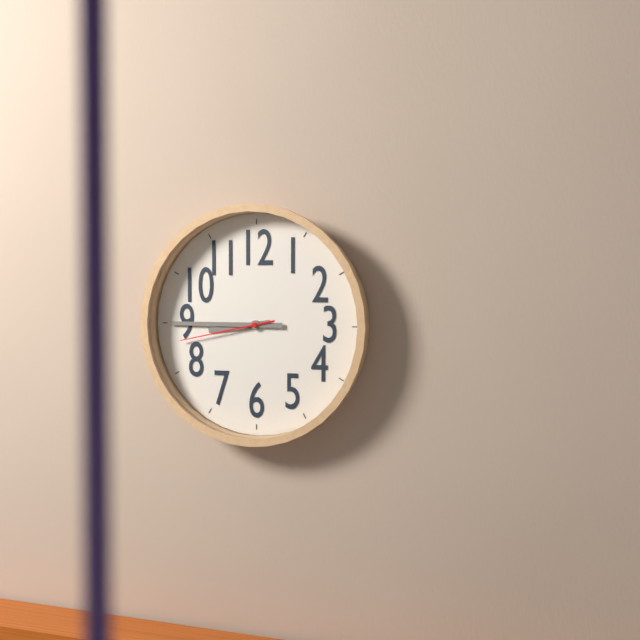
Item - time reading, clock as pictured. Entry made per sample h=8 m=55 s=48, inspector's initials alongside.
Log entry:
h=8 m=45 s=43
